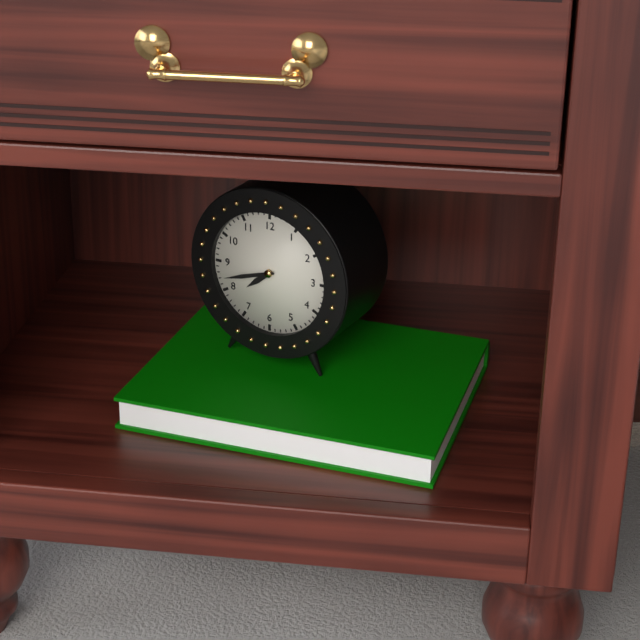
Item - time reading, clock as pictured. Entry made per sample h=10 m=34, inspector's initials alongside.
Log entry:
h=7 m=42
